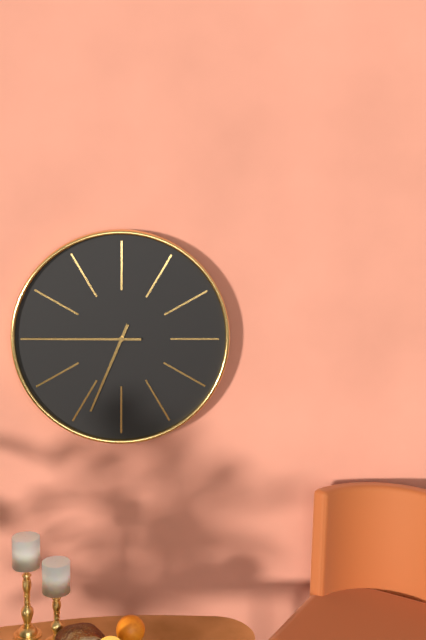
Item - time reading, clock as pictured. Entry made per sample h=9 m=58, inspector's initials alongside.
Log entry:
h=6 m=45
